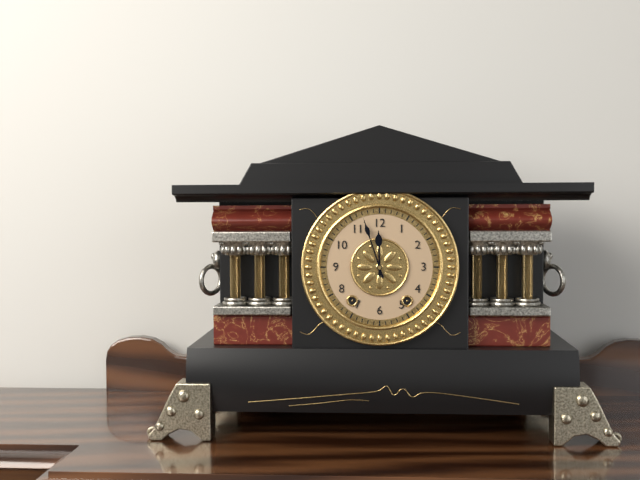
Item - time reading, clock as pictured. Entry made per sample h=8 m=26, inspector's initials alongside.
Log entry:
h=11 m=57
